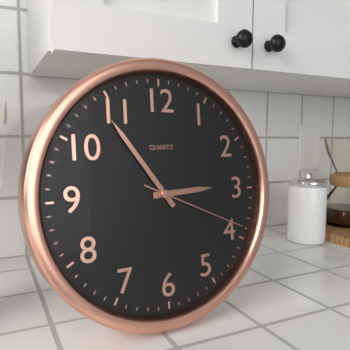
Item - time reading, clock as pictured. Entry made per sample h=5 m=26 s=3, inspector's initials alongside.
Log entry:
h=2 m=54 s=19
